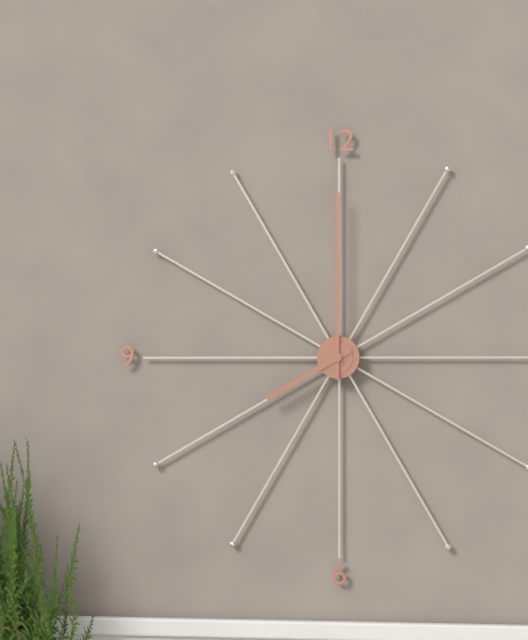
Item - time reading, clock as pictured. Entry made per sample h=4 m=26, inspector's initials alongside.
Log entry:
h=8 m=0
